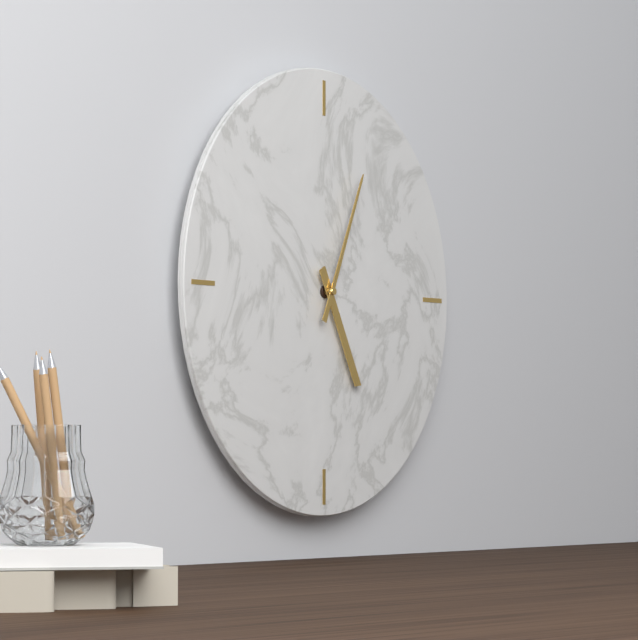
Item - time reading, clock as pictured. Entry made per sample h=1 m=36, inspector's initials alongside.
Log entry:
h=5 m=4
